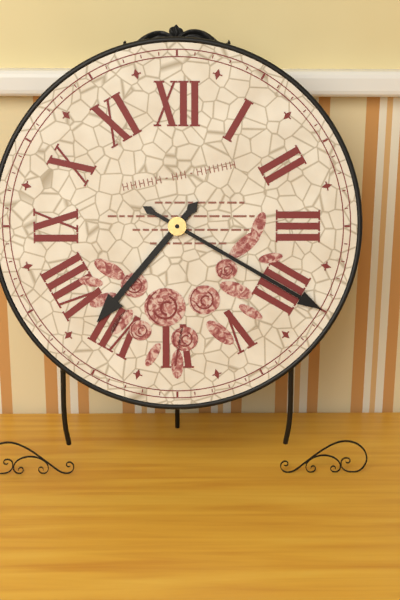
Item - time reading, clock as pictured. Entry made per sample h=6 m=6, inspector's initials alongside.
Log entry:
h=7 m=20
